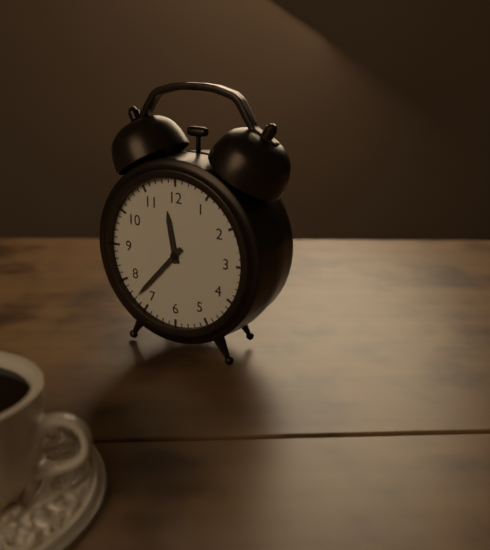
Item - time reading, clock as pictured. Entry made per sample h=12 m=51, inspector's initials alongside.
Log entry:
h=11 m=37
